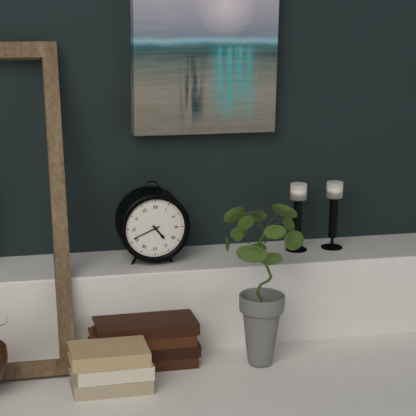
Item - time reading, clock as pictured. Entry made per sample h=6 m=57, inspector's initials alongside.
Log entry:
h=4 m=41
